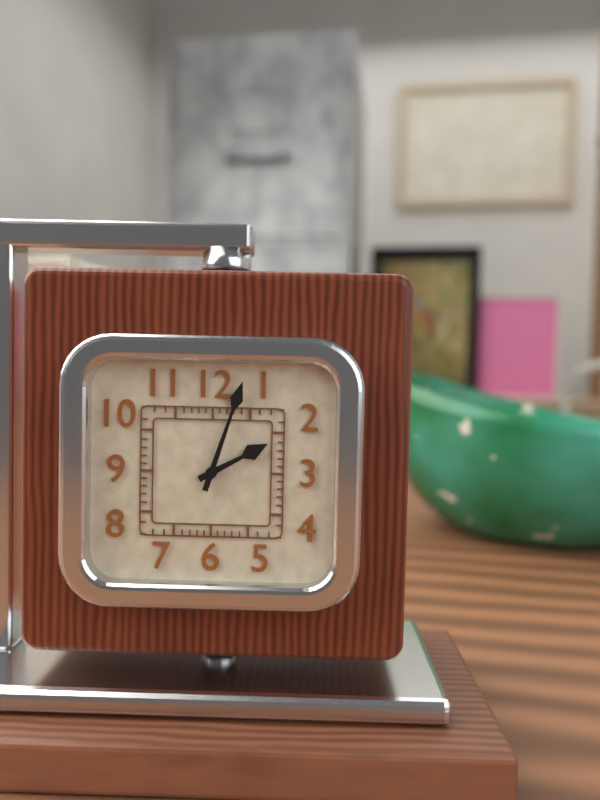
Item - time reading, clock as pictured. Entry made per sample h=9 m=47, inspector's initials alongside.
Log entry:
h=2 m=3
